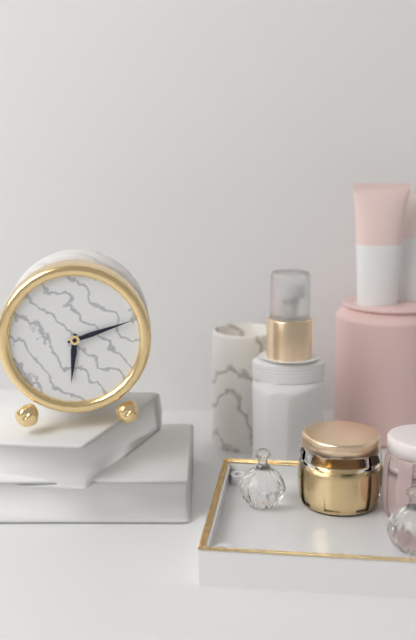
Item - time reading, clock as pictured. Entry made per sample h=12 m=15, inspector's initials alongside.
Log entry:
h=6 m=12
